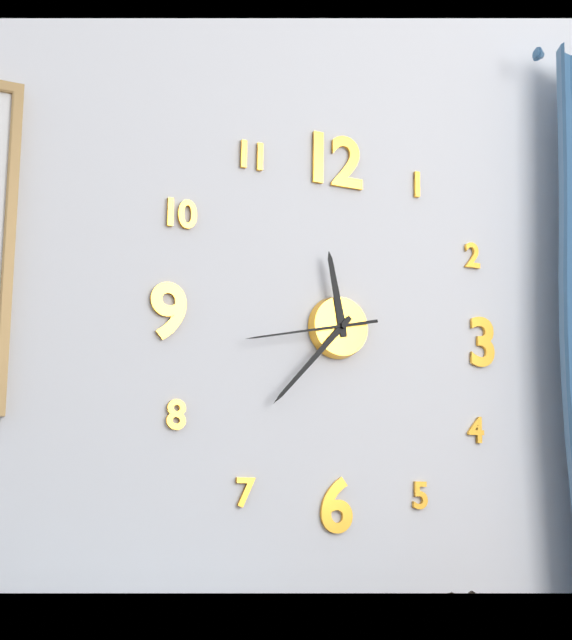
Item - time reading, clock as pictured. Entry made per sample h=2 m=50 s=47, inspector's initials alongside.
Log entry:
h=11 m=37 s=43
